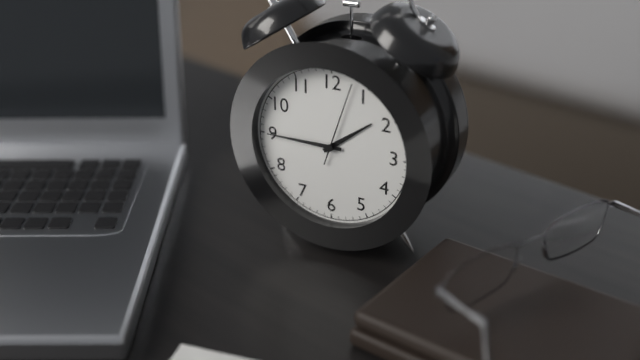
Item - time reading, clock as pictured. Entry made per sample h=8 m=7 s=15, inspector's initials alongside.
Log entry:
h=1 m=45 s=3
